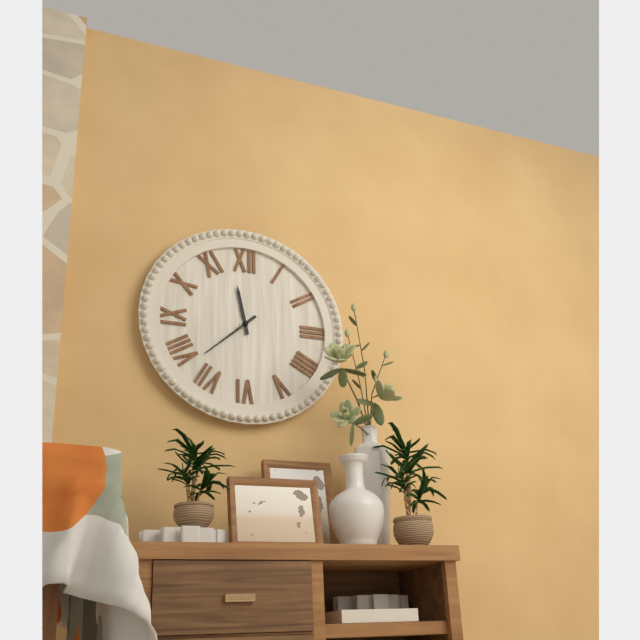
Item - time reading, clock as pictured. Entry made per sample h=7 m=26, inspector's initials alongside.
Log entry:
h=11 m=38
